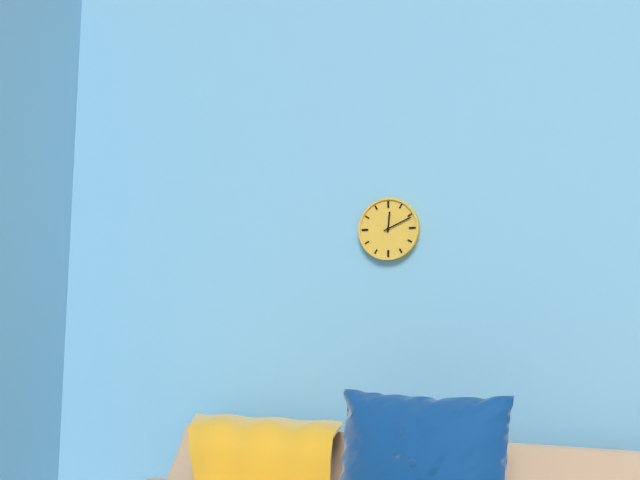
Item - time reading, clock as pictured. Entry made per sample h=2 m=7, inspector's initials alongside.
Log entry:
h=12 m=11
